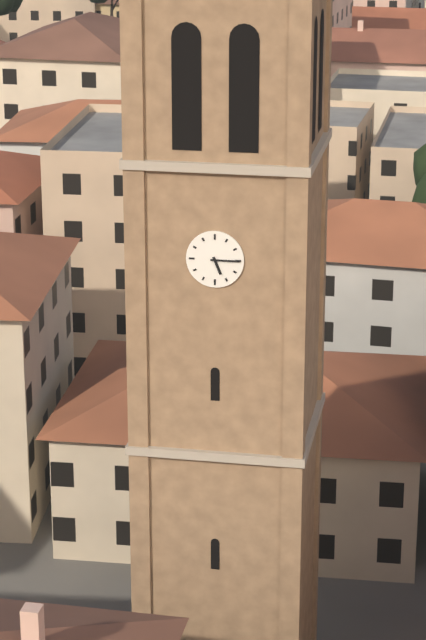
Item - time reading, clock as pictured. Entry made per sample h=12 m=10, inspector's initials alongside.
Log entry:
h=5 m=15
